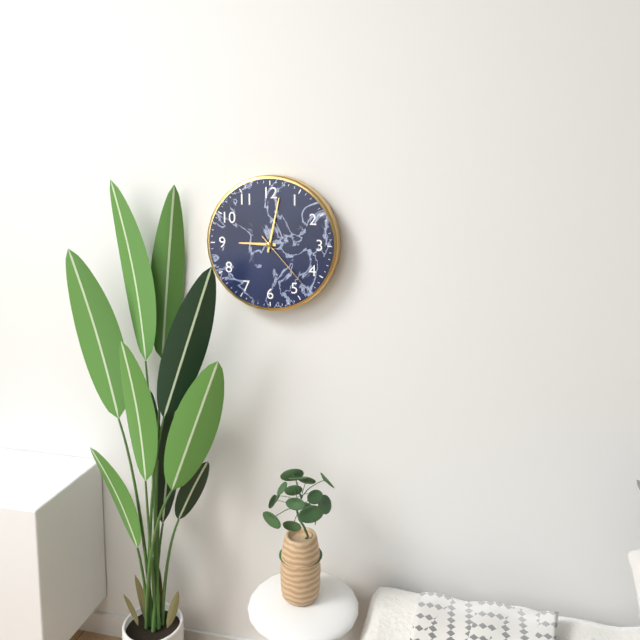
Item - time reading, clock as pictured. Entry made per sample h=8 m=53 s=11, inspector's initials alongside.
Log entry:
h=9 m=2 s=23
